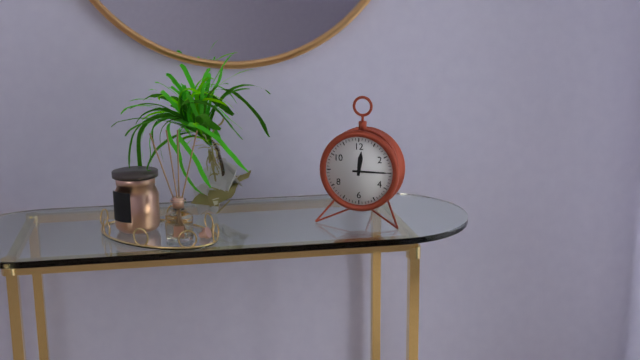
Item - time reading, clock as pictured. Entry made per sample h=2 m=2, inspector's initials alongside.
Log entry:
h=12 m=15
